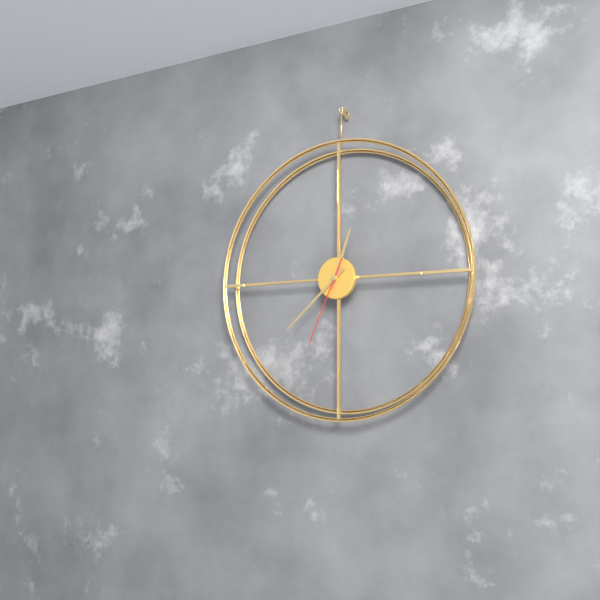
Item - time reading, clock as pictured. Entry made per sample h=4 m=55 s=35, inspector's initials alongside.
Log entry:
h=12 m=38 s=34
